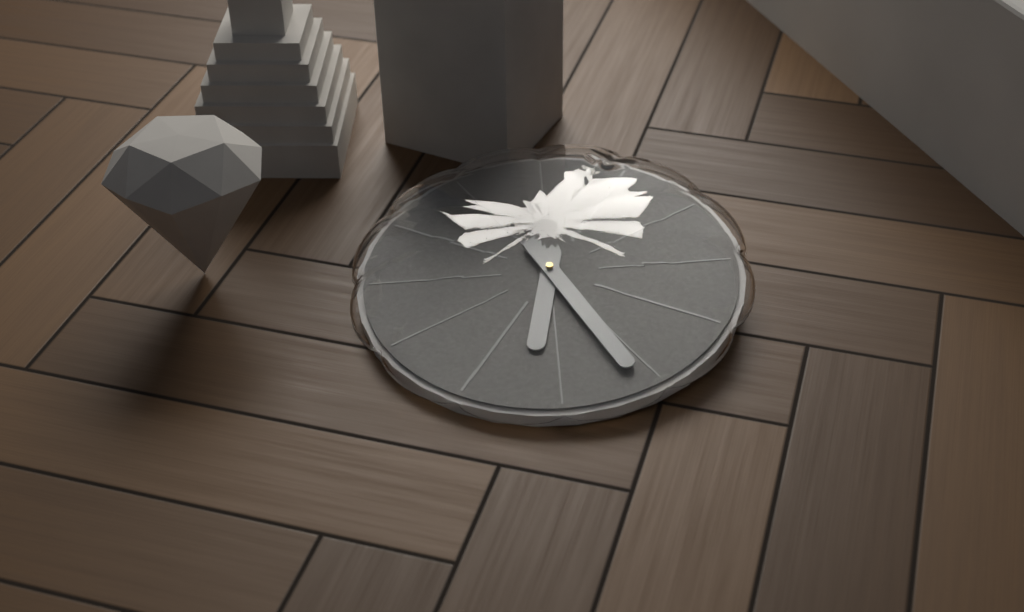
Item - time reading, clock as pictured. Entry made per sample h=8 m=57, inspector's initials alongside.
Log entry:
h=5 m=21
